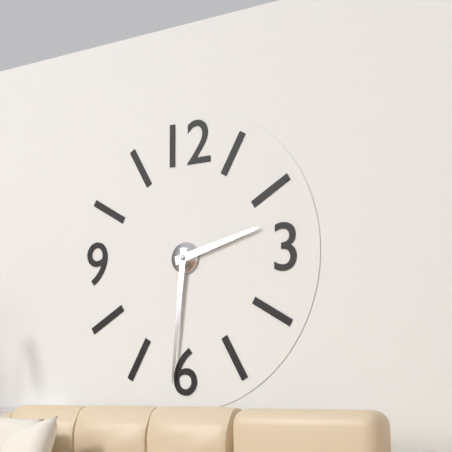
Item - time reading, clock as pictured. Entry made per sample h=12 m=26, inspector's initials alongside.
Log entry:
h=2 m=31
